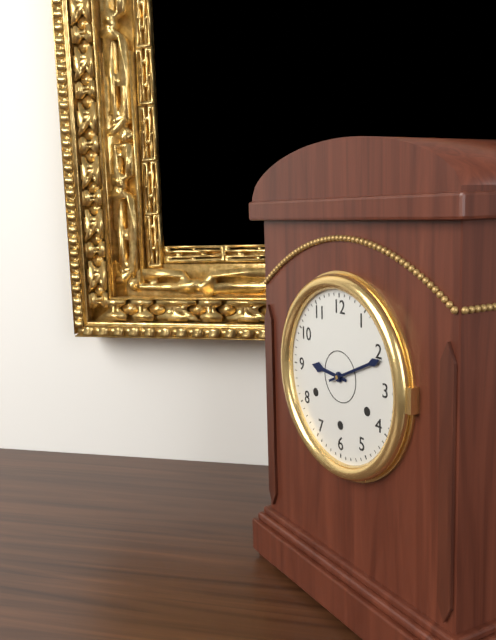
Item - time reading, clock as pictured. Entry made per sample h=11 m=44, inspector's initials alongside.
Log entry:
h=9 m=11
